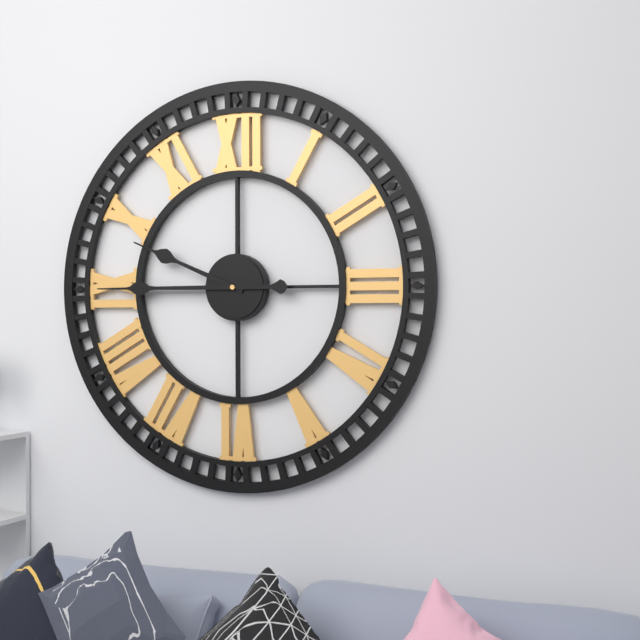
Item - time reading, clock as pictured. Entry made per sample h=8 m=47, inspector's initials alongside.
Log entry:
h=9 m=45
